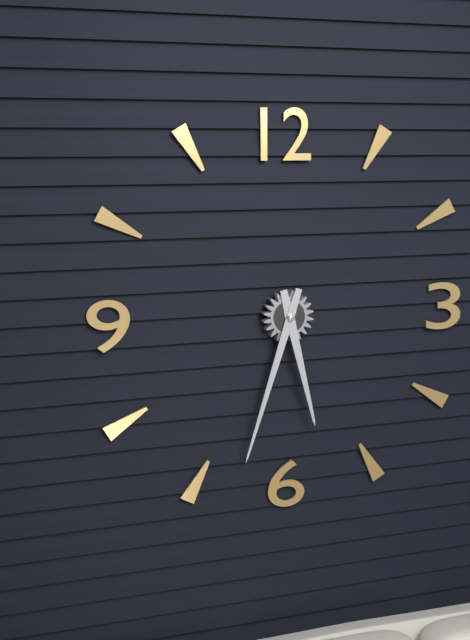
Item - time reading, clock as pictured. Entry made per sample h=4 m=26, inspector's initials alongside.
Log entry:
h=5 m=33
